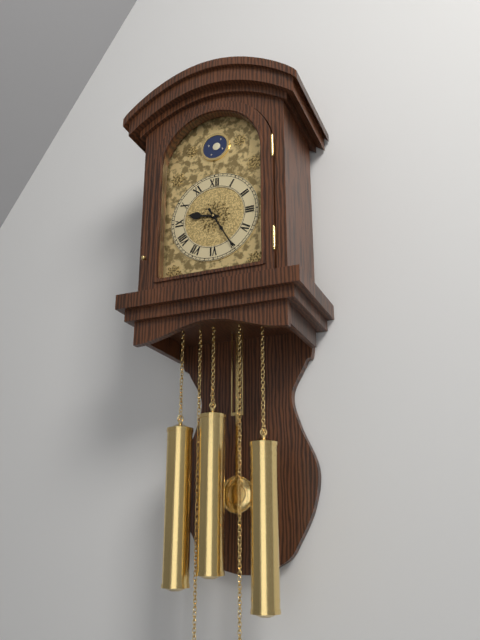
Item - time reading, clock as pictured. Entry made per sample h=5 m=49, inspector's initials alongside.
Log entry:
h=9 m=25
